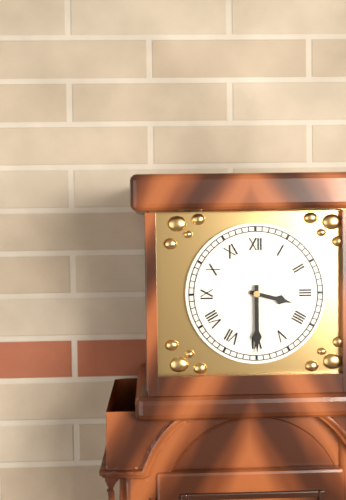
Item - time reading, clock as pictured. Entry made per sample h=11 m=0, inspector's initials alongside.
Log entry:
h=3 m=30
